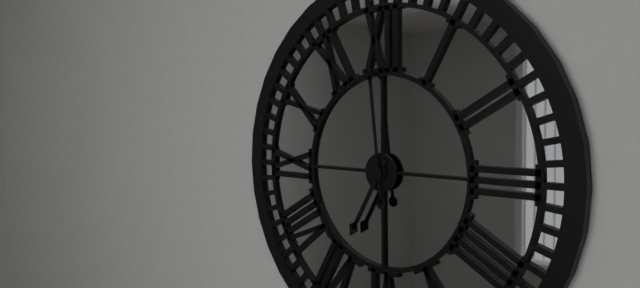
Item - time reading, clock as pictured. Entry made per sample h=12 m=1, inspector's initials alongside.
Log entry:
h=6 m=59
